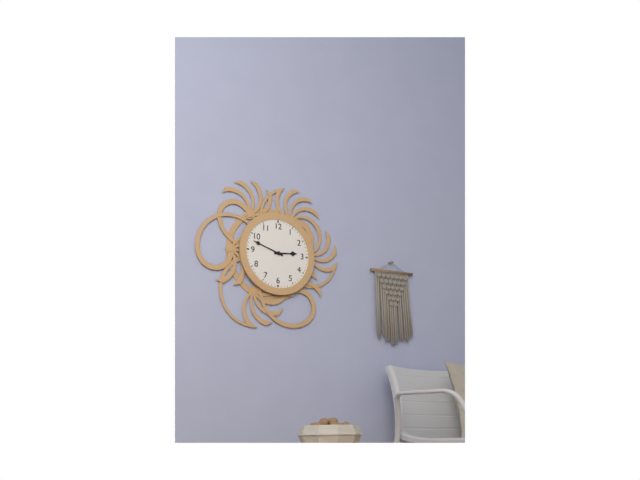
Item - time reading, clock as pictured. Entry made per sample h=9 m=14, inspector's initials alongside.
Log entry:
h=2 m=48
